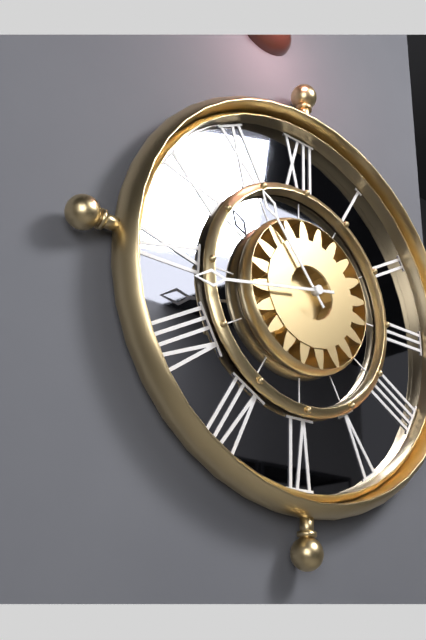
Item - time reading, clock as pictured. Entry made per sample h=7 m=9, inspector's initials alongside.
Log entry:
h=10 m=43
